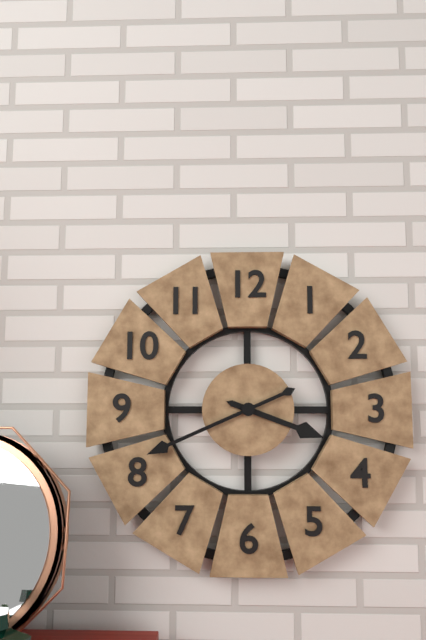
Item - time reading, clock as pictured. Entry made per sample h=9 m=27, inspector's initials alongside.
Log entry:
h=3 m=41
